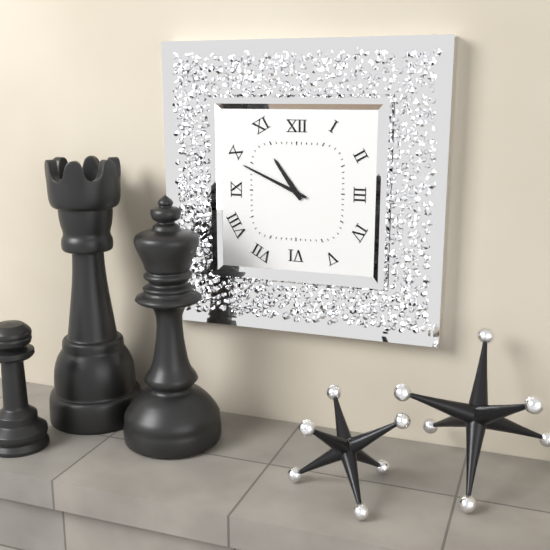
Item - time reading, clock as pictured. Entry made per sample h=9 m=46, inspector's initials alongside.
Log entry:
h=10 m=49
